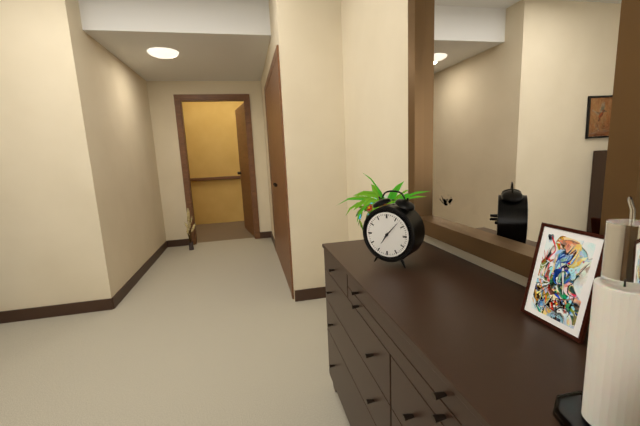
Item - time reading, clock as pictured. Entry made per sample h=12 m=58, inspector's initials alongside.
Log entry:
h=7 m=7
